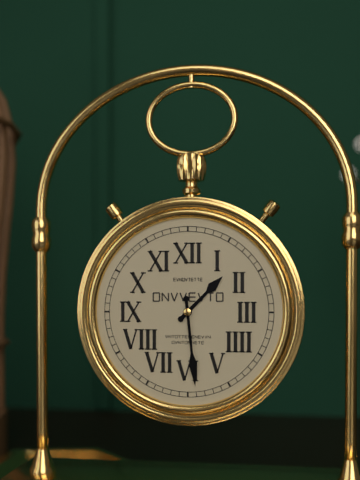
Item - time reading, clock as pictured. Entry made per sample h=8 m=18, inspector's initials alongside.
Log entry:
h=1 m=29
